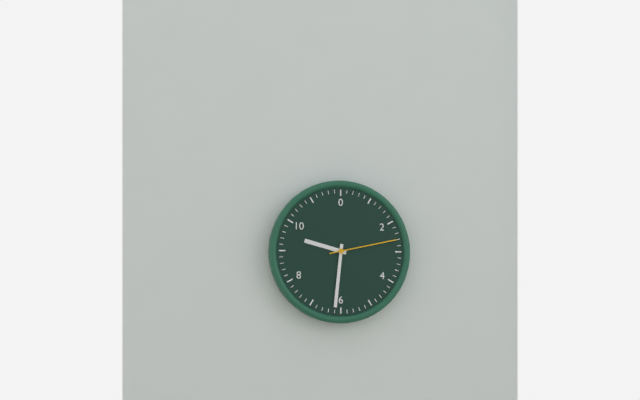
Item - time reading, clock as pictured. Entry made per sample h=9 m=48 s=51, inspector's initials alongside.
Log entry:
h=9 m=31 s=13
